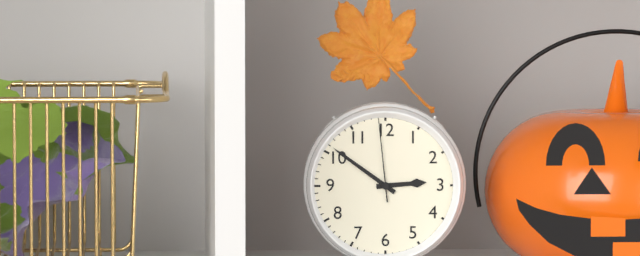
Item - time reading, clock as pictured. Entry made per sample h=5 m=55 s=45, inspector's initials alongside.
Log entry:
h=2 m=51 s=59
